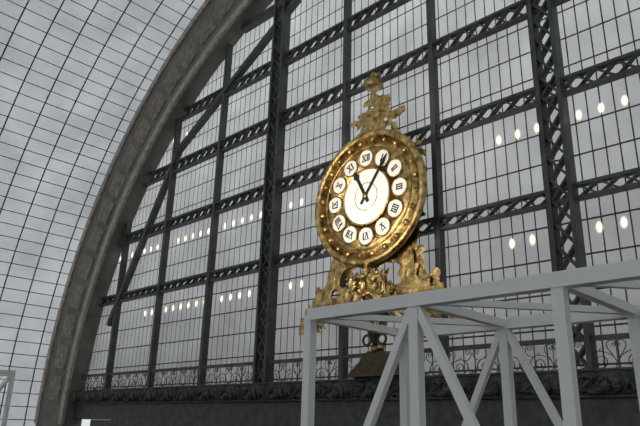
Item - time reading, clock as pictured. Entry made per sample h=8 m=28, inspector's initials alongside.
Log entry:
h=11 m=6
